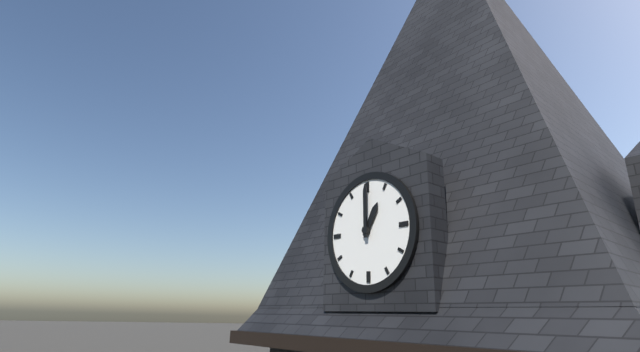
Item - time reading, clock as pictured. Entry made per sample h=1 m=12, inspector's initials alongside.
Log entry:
h=1 m=0
